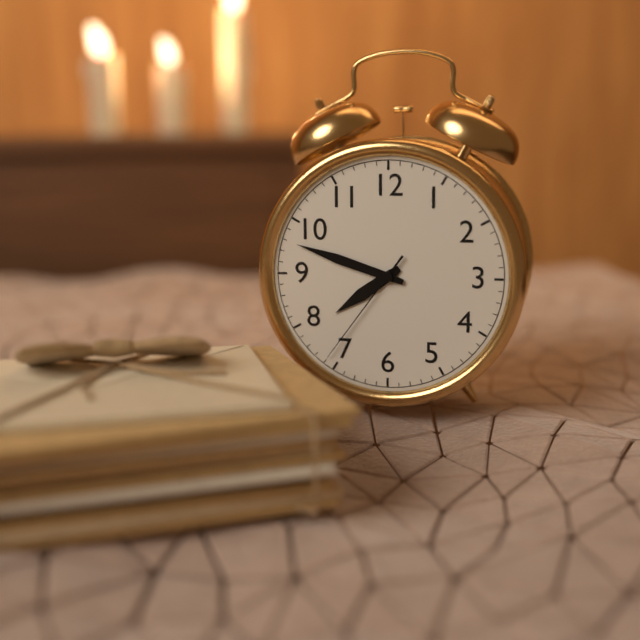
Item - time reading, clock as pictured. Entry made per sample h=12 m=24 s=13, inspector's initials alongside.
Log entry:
h=7 m=48 s=36
